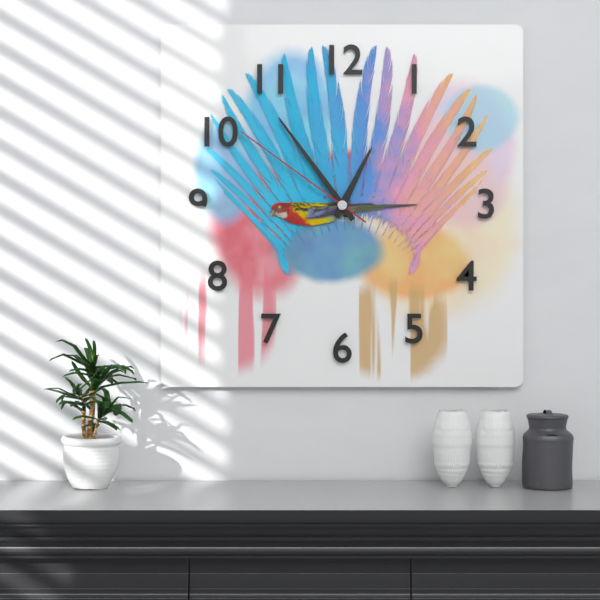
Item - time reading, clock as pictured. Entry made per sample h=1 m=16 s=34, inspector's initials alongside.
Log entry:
h=12 m=54 s=51
